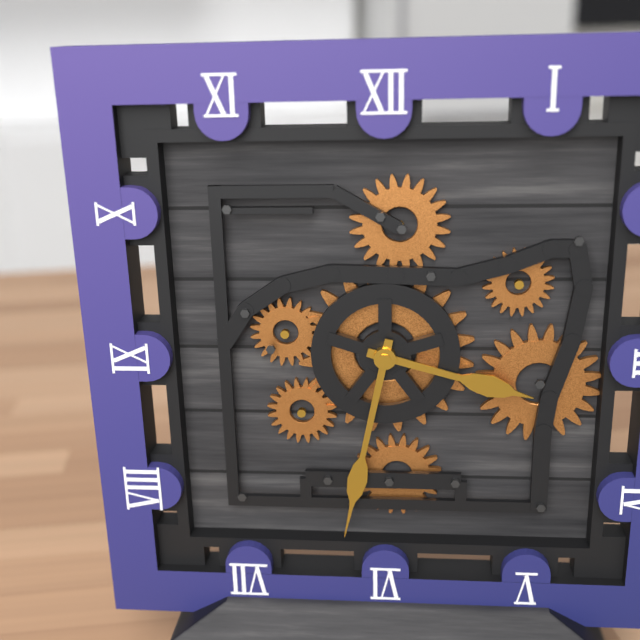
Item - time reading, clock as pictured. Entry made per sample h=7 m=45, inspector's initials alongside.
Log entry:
h=3 m=32
